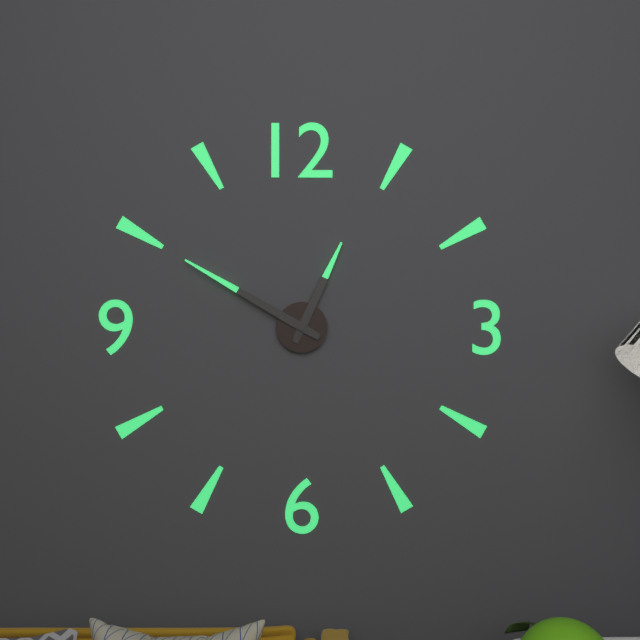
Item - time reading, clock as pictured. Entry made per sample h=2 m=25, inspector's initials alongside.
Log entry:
h=12 m=50
